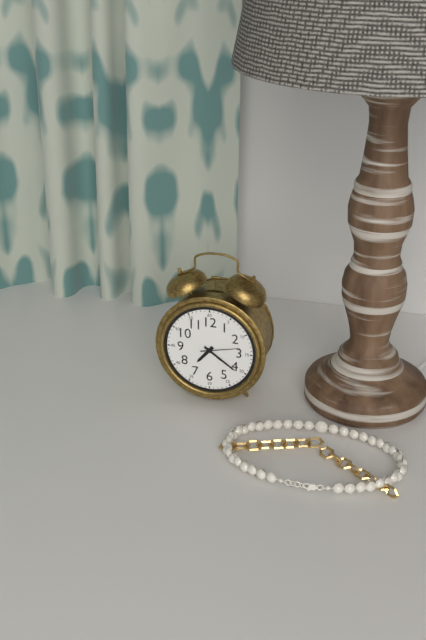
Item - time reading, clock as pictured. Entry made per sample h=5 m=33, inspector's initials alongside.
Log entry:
h=7 m=21
